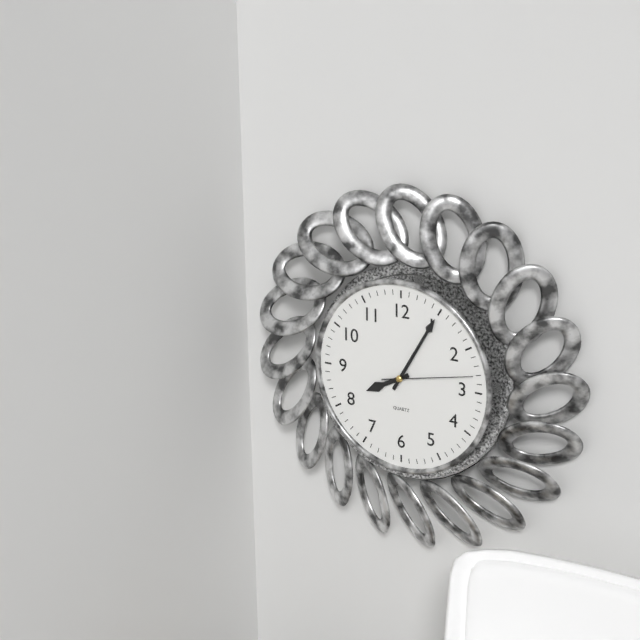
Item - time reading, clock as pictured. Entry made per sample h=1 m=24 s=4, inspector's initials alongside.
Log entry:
h=8 m=5 s=13
